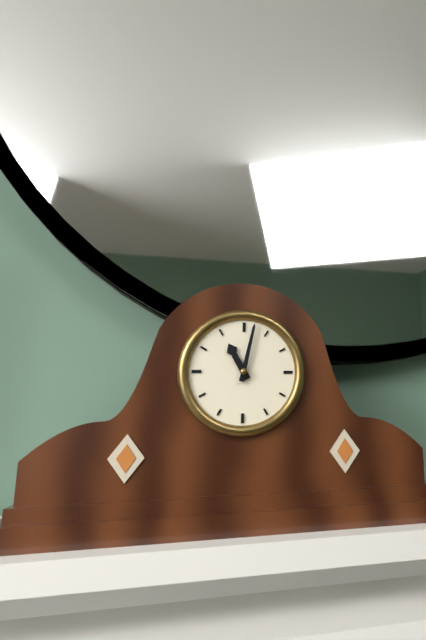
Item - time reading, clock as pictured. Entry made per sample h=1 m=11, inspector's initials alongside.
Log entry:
h=11 m=2
